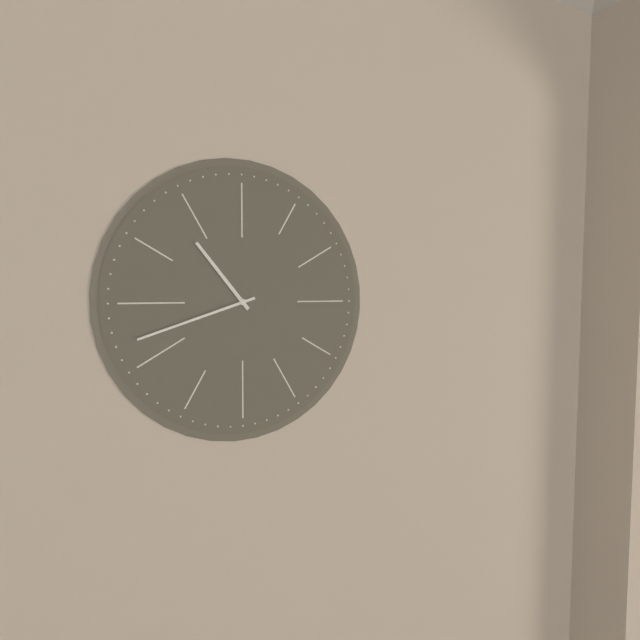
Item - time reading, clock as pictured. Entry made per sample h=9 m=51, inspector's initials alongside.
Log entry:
h=10 m=42
